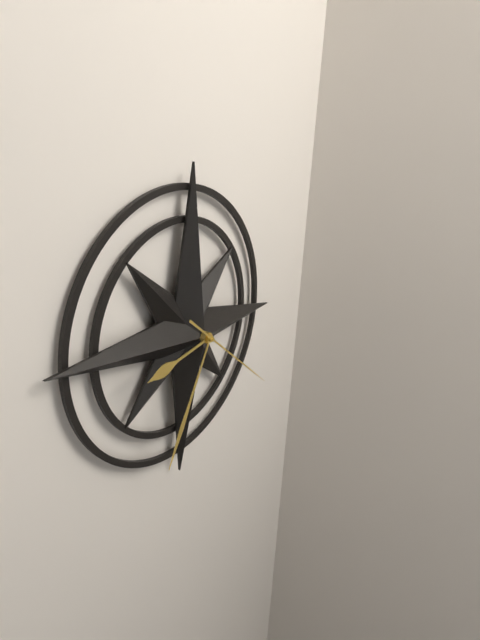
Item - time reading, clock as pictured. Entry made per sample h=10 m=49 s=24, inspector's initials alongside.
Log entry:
h=8 m=34 s=21
